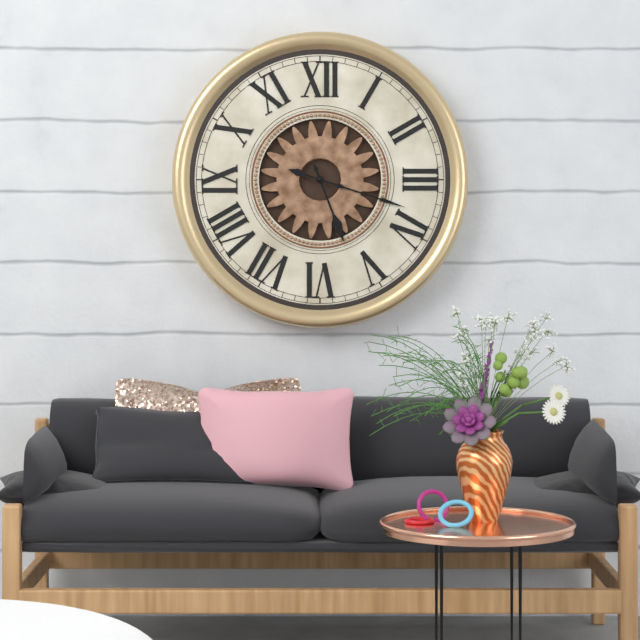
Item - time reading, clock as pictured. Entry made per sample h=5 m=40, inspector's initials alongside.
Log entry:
h=5 m=18
